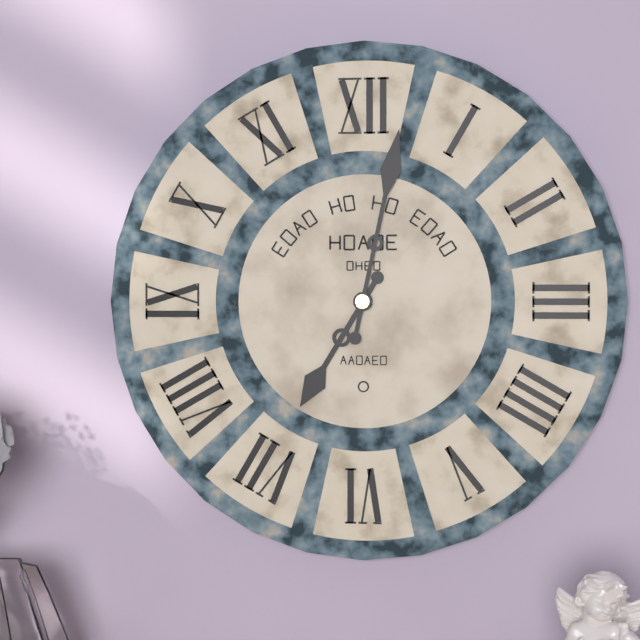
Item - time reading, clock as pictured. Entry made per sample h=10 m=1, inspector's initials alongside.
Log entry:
h=7 m=2
